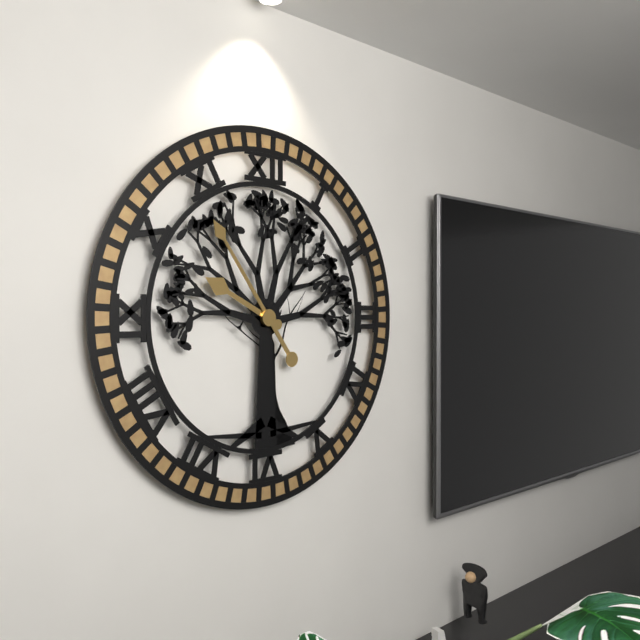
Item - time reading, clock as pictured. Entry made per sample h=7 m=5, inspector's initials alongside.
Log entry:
h=9 m=54
